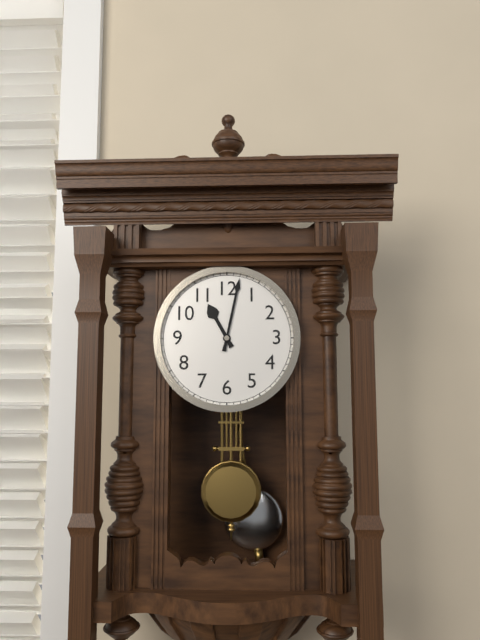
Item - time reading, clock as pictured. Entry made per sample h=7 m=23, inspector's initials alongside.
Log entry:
h=11 m=2
